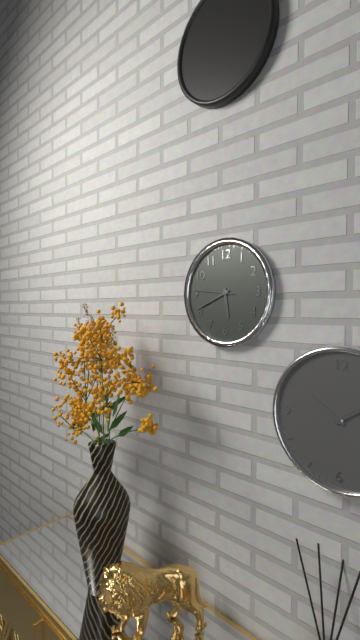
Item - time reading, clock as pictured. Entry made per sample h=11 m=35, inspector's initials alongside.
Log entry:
h=5 m=41
